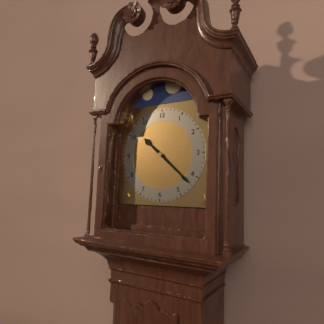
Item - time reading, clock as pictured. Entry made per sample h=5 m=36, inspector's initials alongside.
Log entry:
h=10 m=22
